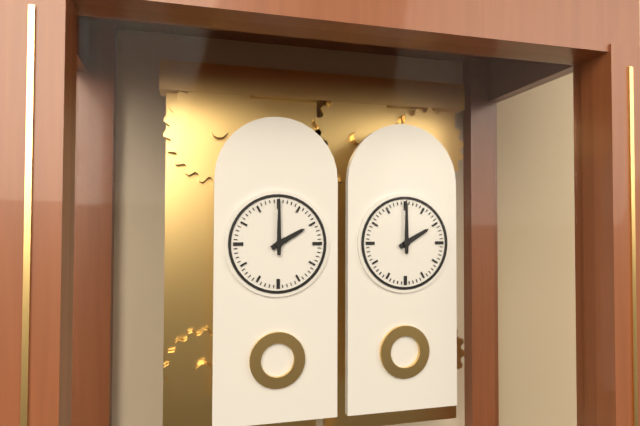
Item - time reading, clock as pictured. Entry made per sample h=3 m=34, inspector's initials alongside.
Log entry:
h=2 m=0
